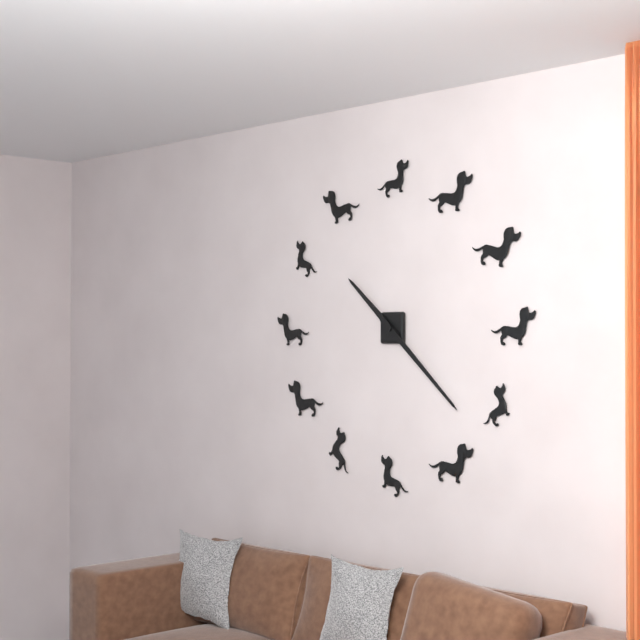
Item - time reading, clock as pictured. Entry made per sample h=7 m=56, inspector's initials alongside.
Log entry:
h=10 m=22
